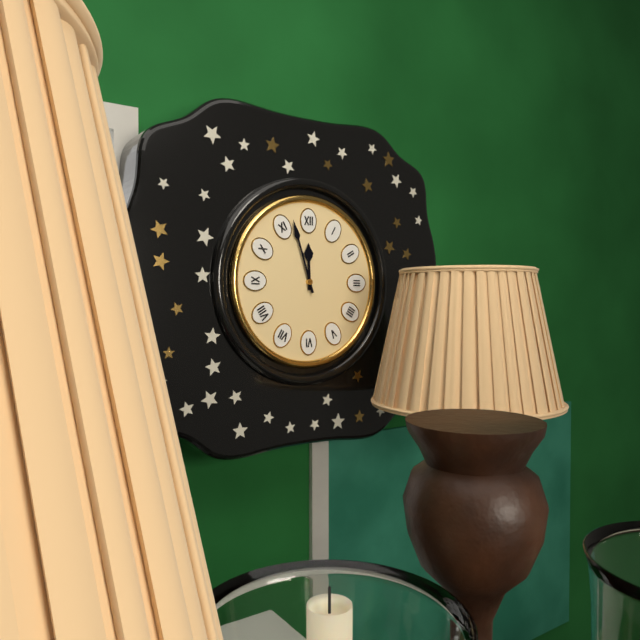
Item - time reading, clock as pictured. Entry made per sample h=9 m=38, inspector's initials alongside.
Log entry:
h=11 m=57
